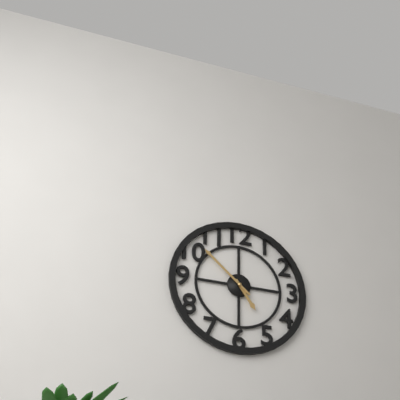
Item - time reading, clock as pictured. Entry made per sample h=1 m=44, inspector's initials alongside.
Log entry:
h=4 m=52
